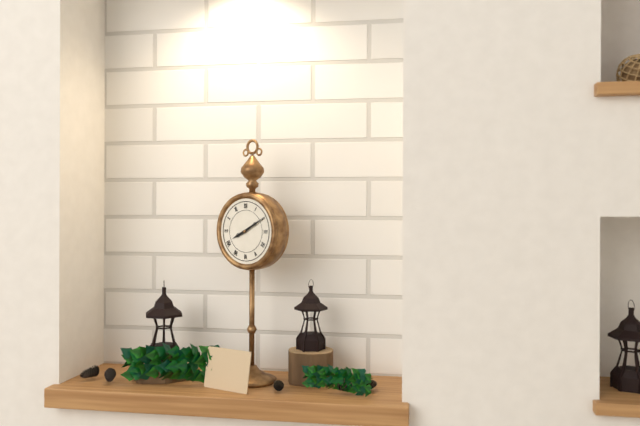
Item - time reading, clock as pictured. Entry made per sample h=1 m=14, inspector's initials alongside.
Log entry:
h=8 m=10
